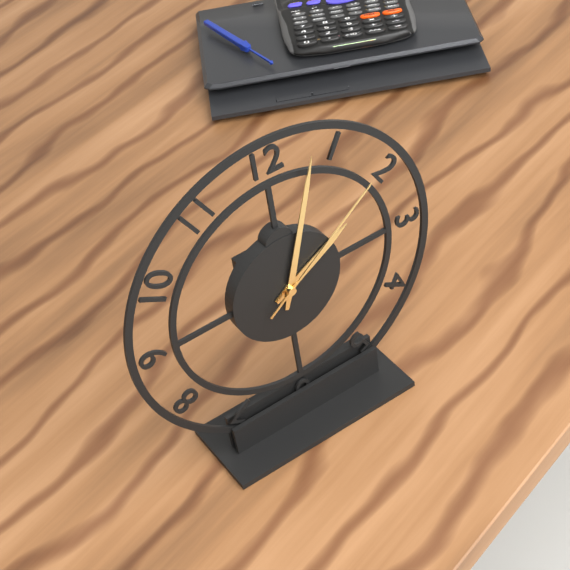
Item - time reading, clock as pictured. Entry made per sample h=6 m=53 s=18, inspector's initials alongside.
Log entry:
h=2 m=3 s=9
